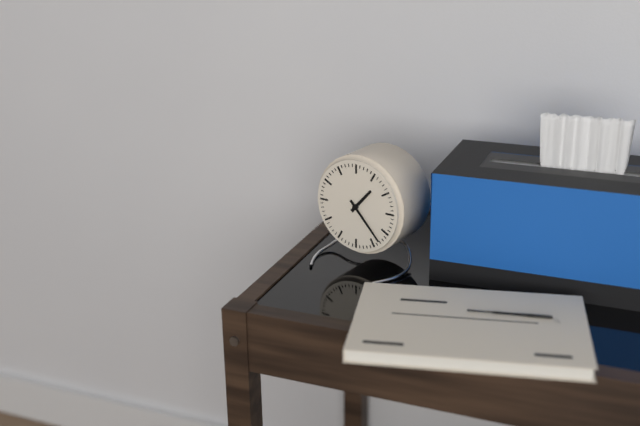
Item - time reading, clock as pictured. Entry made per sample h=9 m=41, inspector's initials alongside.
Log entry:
h=1 m=23
